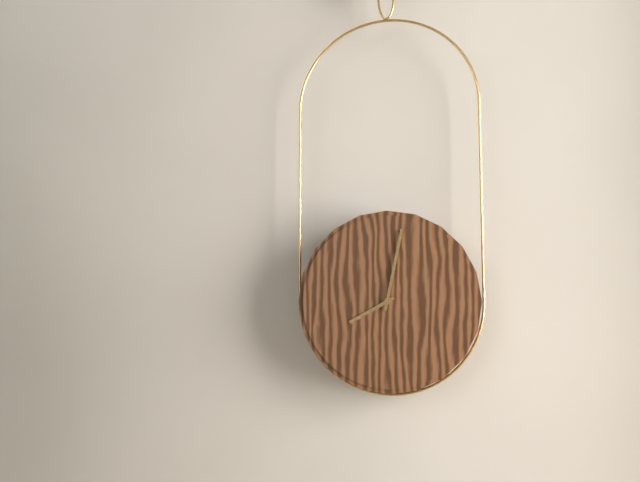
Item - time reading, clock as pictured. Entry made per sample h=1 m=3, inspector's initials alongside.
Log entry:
h=8 m=2
